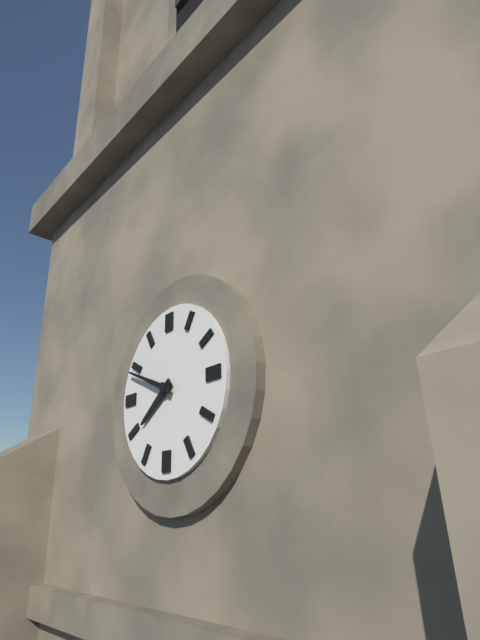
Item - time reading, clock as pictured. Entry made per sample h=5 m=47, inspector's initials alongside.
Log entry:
h=7 m=49
